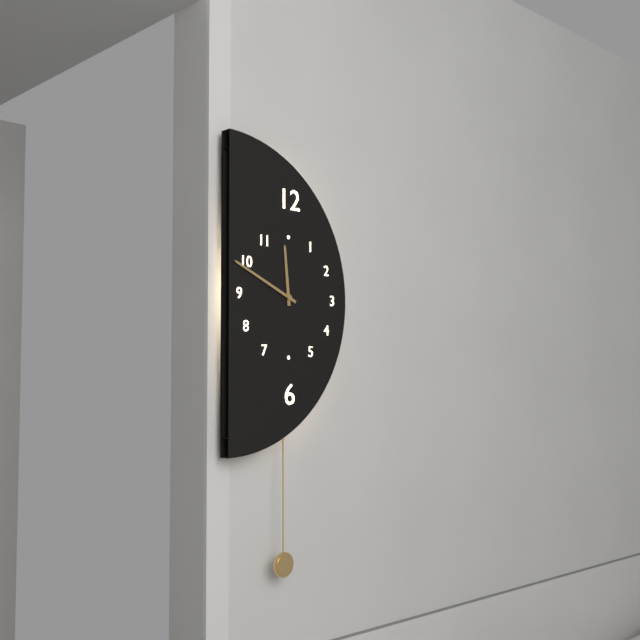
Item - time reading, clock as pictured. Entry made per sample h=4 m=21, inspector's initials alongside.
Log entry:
h=11 m=49
